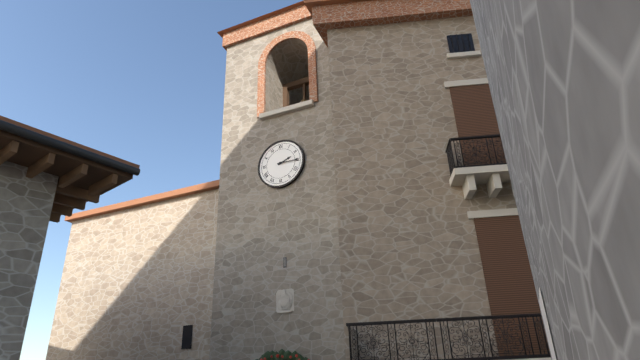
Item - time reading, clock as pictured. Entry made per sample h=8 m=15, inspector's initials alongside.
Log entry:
h=2 m=15
